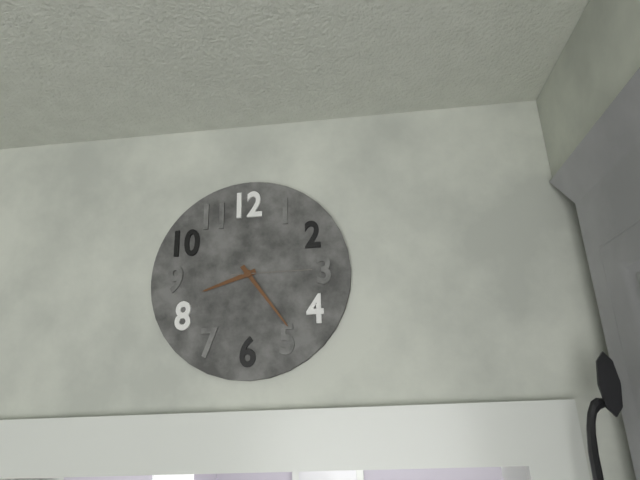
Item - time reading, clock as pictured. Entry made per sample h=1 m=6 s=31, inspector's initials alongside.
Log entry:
h=8 m=24 s=15
